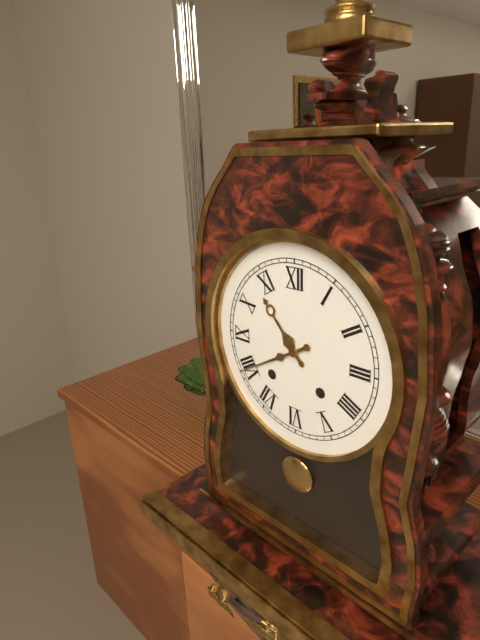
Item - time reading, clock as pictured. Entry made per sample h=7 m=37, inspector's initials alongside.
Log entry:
h=10 m=40
